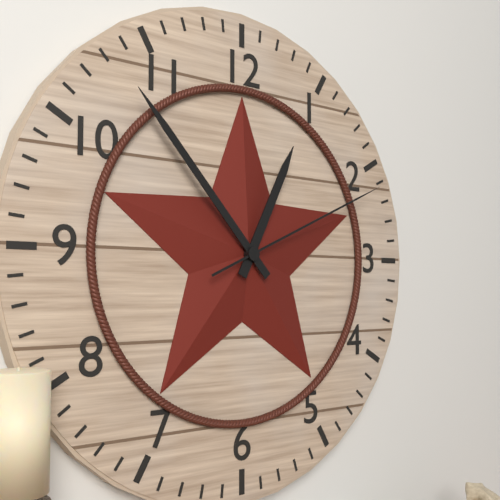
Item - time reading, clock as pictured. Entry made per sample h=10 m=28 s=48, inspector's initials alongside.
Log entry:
h=12 m=53 s=11
